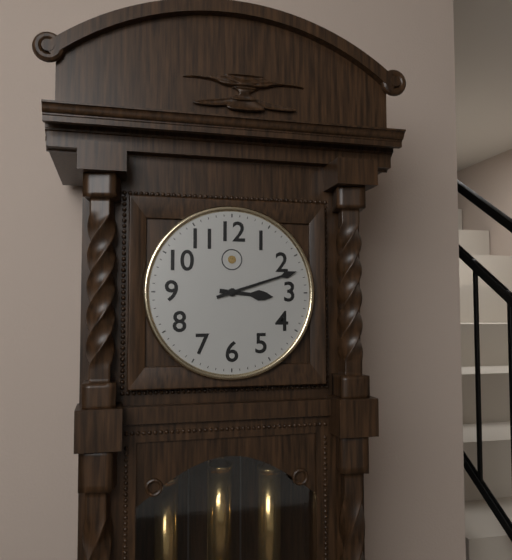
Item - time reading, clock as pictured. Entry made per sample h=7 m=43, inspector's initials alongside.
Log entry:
h=3 m=12
